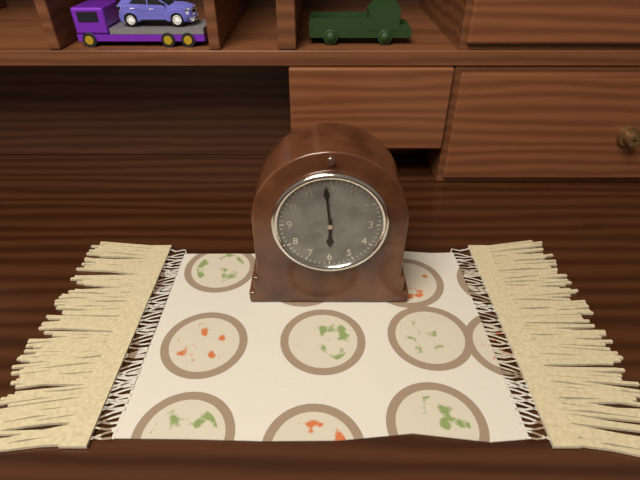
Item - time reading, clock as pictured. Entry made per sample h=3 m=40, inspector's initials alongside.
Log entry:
h=5 m=59
